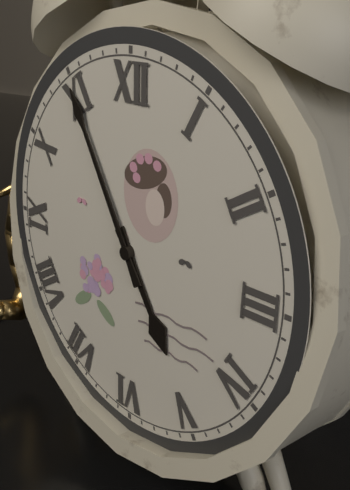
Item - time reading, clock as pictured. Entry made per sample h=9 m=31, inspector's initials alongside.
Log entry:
h=4 m=55
